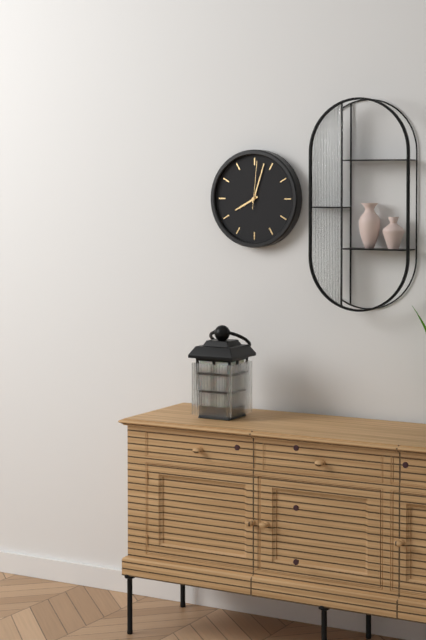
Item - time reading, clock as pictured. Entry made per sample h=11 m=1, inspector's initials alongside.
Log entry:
h=8 m=3
